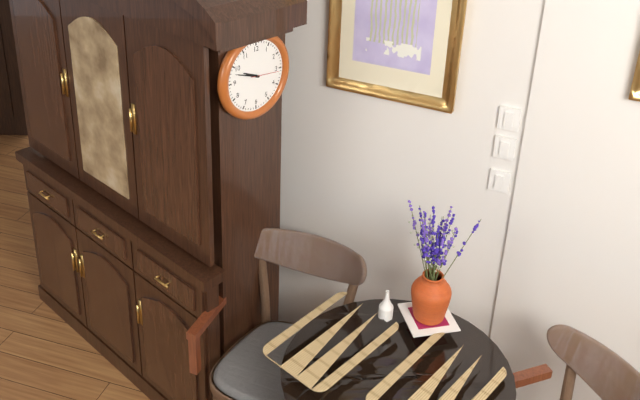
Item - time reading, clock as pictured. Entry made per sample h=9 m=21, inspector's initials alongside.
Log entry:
h=9 m=48
